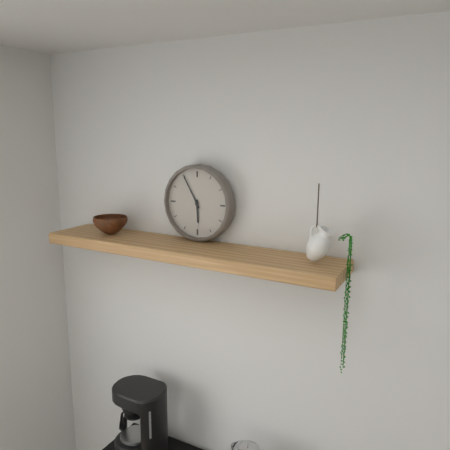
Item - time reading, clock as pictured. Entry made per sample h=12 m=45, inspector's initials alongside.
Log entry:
h=5 m=55
